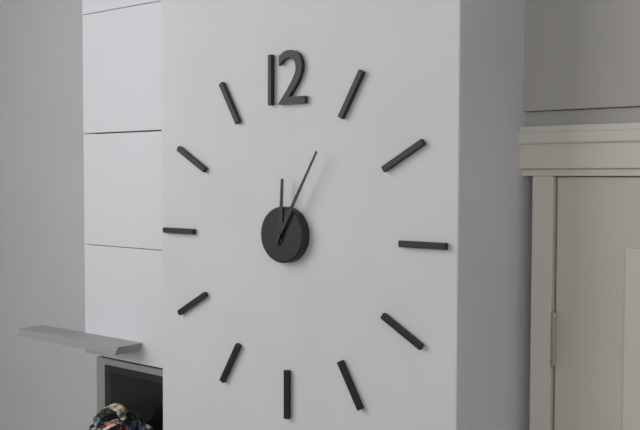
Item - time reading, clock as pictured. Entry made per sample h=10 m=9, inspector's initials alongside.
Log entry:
h=12 m=5
